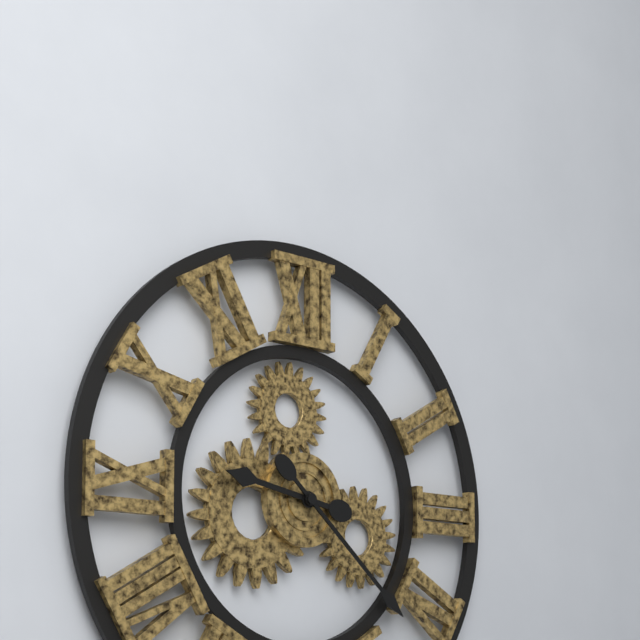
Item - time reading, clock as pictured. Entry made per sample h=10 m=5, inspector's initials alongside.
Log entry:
h=9 m=22
